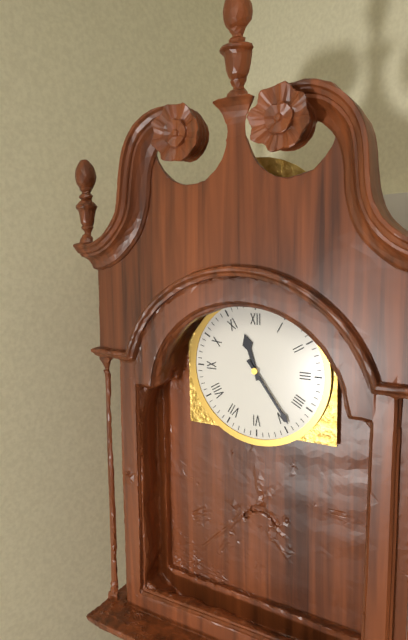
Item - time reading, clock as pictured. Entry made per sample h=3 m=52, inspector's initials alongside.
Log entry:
h=11 m=24
